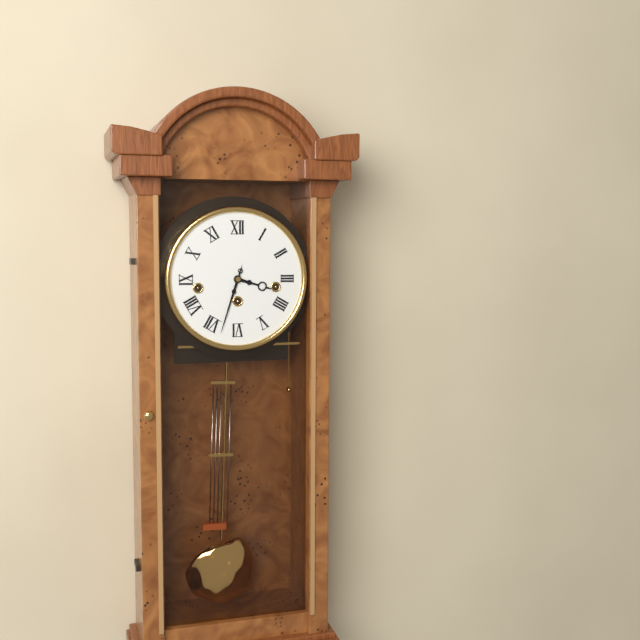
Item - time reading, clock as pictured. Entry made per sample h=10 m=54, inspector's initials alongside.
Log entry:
h=3 m=33
